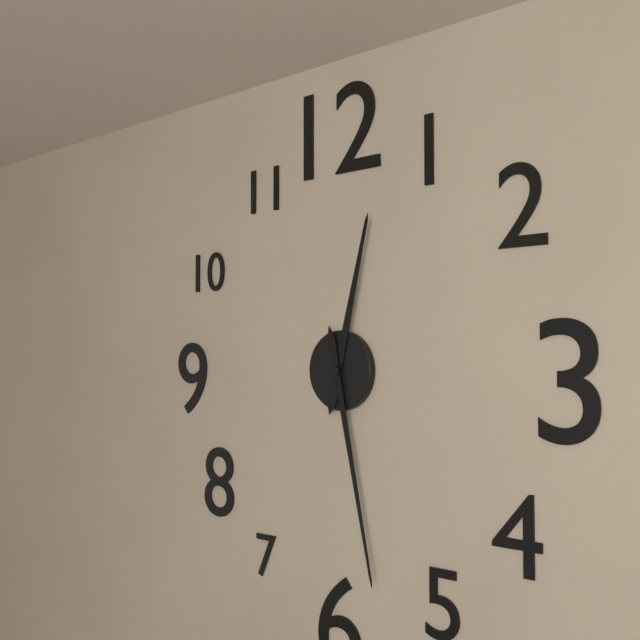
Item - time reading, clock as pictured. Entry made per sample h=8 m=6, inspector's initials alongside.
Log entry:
h=12 m=28
